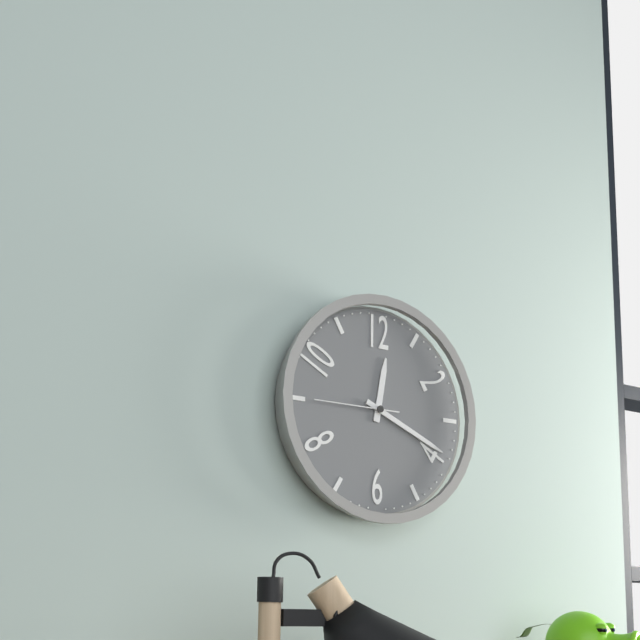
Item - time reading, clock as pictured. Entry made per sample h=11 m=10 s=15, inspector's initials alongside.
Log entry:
h=12 m=19 s=45
